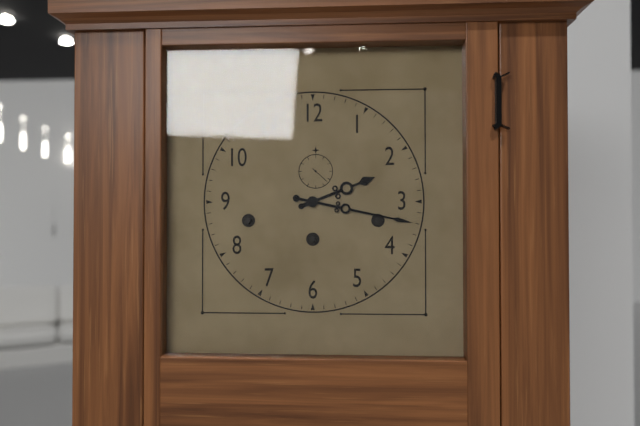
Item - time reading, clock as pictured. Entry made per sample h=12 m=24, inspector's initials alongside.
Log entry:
h=2 m=17
